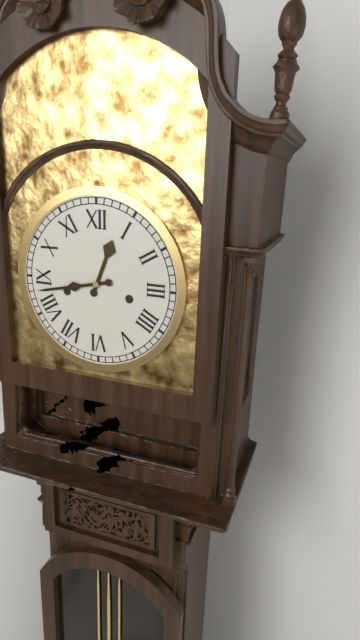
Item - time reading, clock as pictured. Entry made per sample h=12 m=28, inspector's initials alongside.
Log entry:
h=12 m=43
